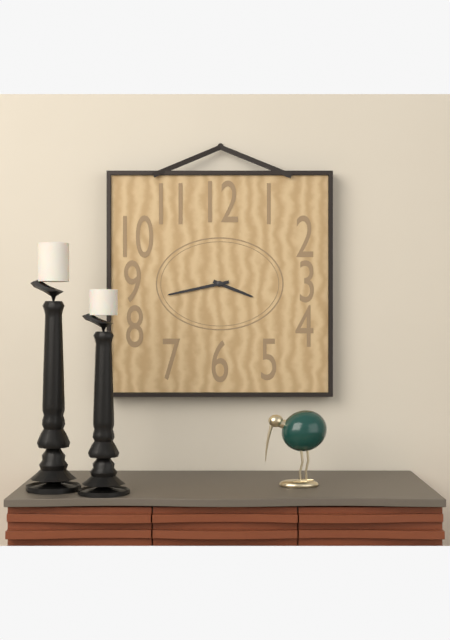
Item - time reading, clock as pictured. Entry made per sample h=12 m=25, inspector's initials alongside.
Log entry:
h=3 m=43
